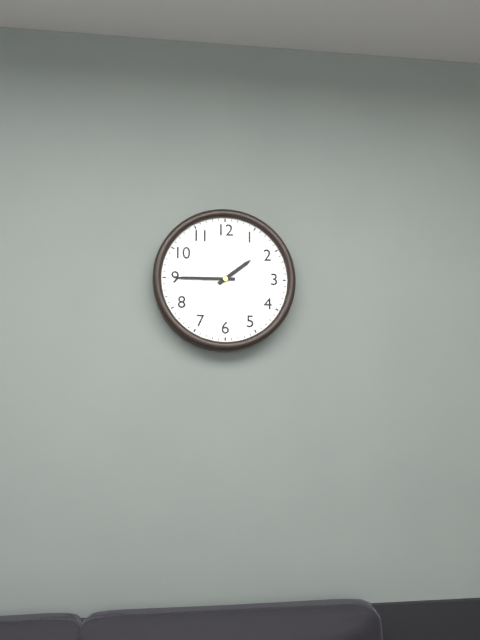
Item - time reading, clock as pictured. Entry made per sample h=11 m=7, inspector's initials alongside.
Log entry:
h=1 m=45
